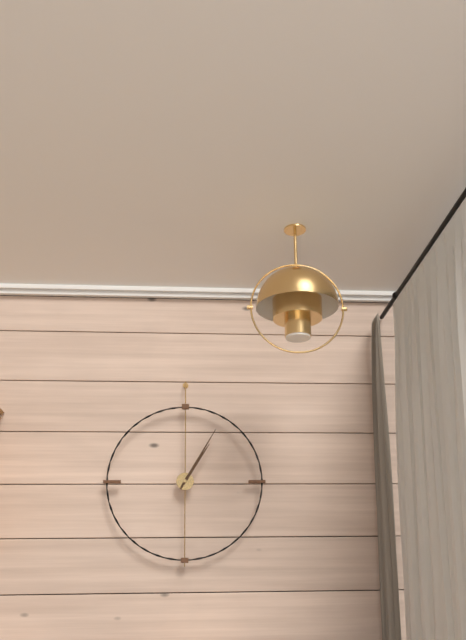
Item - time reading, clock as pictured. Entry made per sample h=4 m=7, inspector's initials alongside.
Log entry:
h=1 m=5
